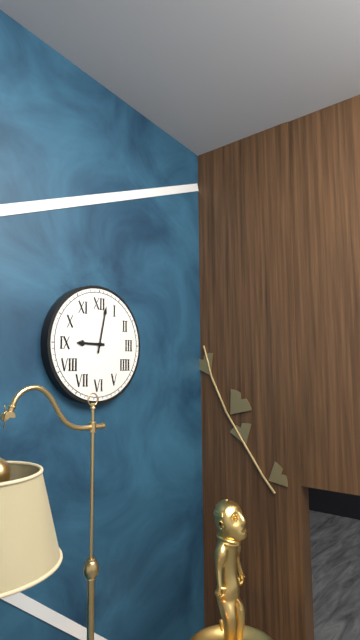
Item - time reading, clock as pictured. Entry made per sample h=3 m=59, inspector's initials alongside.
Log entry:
h=9 m=2
